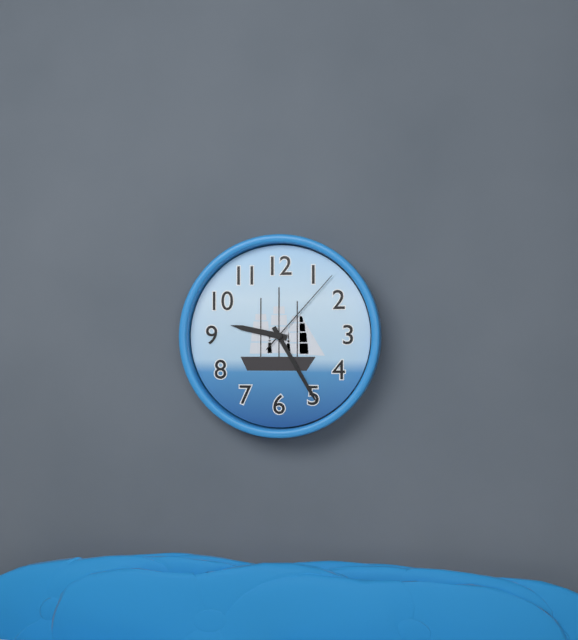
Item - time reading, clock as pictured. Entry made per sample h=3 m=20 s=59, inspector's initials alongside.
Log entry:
h=9 m=25 s=7
